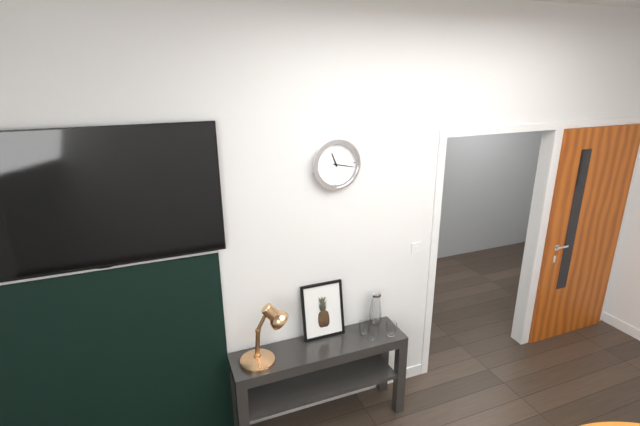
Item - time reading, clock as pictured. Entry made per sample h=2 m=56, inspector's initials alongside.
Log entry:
h=11 m=17
